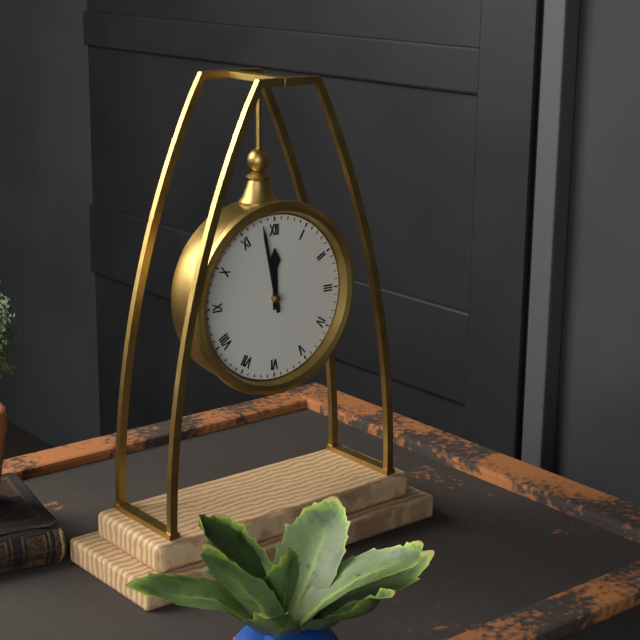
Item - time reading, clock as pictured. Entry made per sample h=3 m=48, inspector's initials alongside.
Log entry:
h=11 m=58
